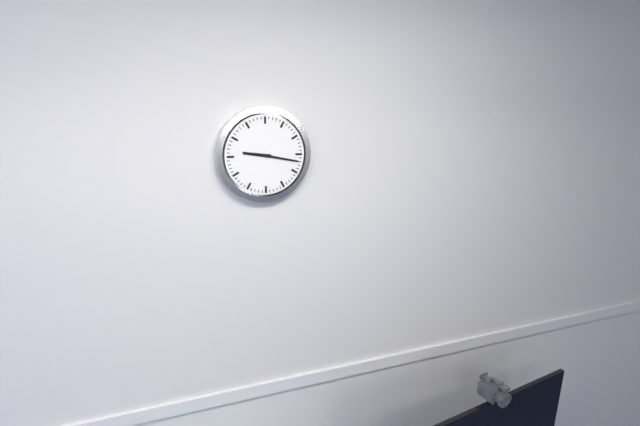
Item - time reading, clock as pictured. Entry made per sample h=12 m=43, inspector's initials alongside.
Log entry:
h=9 m=17
